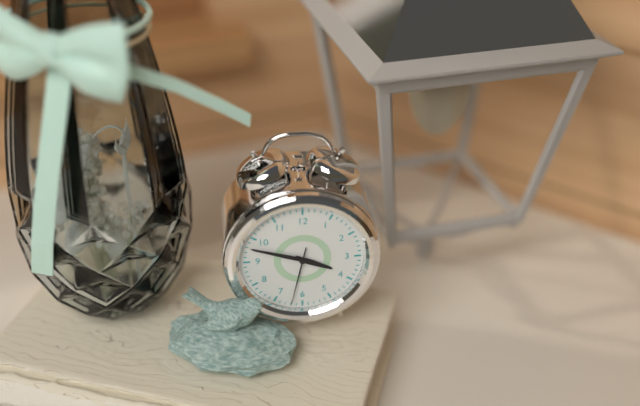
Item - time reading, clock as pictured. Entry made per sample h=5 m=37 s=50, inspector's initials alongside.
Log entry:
h=3 m=48 s=32
